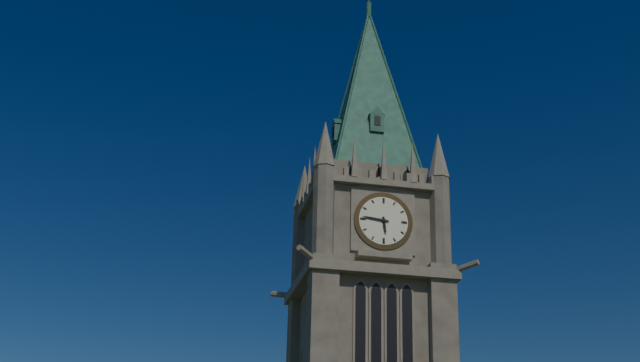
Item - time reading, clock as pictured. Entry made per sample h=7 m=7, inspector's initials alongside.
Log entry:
h=5 m=46
